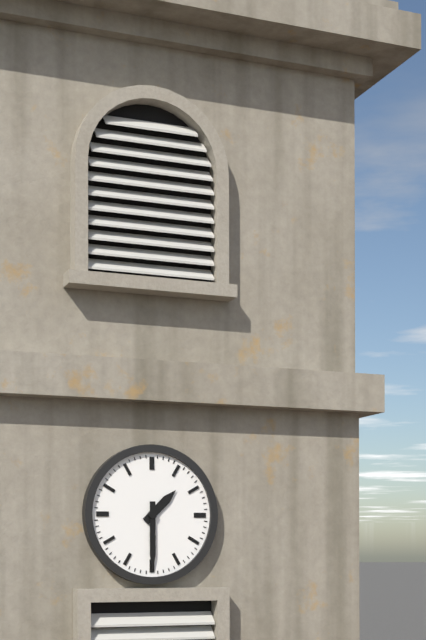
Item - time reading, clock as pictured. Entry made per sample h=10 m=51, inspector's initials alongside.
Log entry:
h=1 m=30
